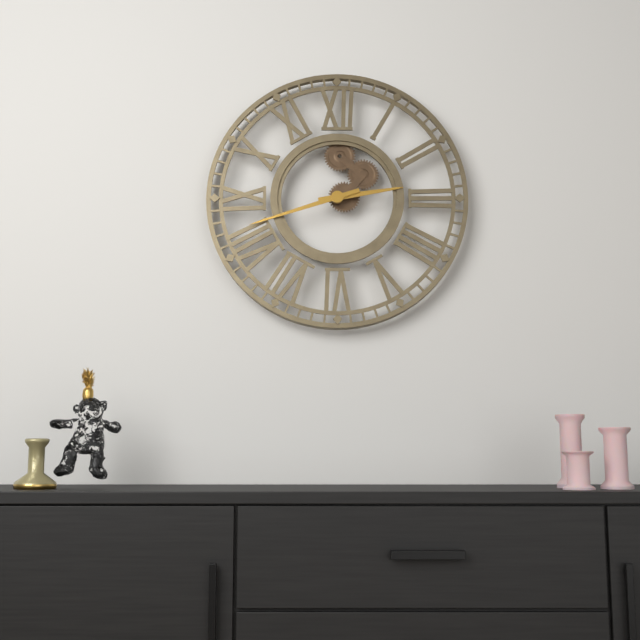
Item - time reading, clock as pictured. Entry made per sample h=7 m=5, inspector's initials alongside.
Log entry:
h=2 m=42
